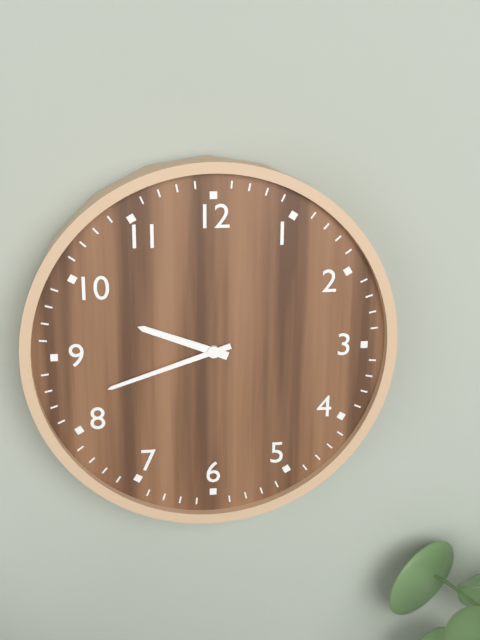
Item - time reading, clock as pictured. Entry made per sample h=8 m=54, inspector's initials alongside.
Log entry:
h=9 m=42
